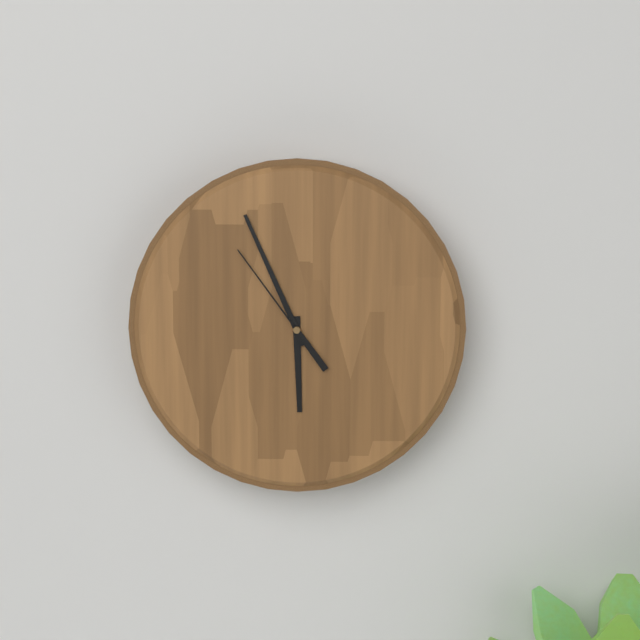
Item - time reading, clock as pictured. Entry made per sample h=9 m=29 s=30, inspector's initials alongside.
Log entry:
h=5 m=56 s=54
